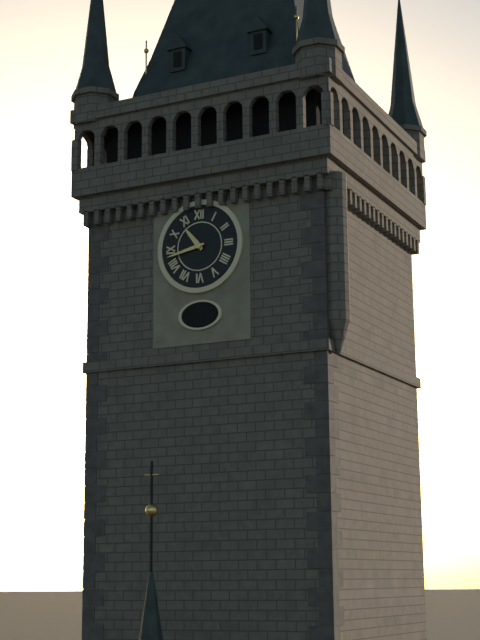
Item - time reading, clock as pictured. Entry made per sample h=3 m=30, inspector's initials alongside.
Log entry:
h=10 m=43
